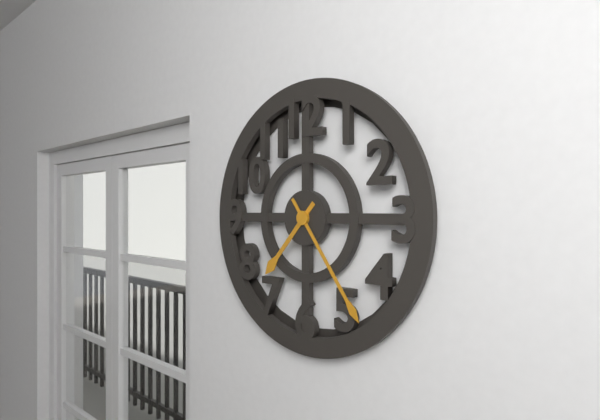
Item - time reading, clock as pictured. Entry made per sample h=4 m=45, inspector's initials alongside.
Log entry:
h=7 m=24
